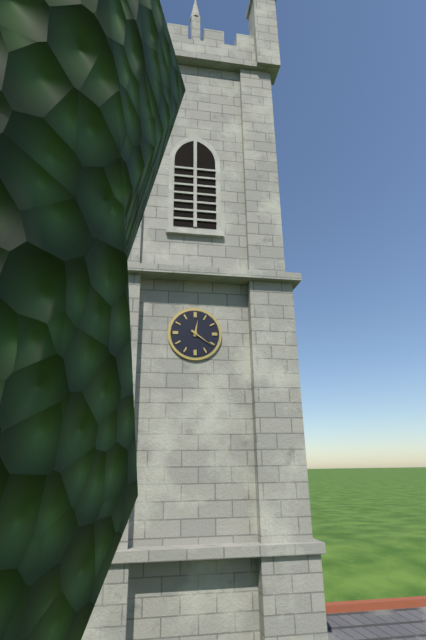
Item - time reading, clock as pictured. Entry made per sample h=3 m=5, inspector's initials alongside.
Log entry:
h=12 m=21
